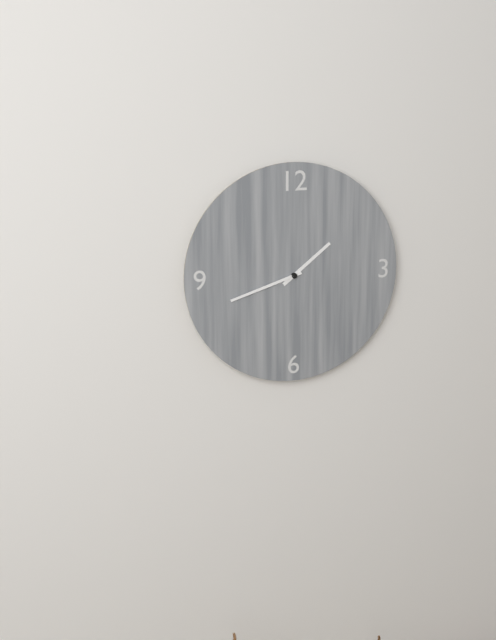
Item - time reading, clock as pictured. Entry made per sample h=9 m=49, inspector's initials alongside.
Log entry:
h=1 m=42
